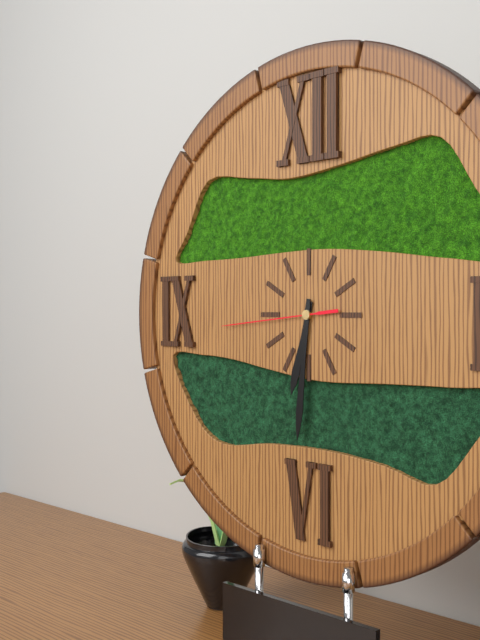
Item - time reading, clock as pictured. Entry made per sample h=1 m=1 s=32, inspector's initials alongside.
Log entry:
h=6 m=31 s=44
